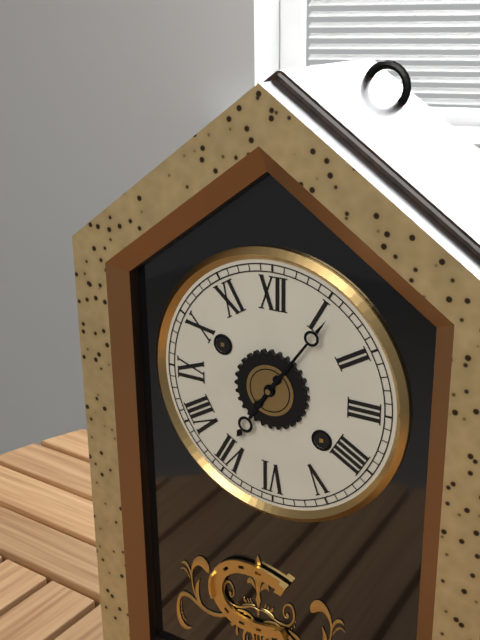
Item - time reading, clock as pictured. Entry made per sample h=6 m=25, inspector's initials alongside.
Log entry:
h=7 m=6
